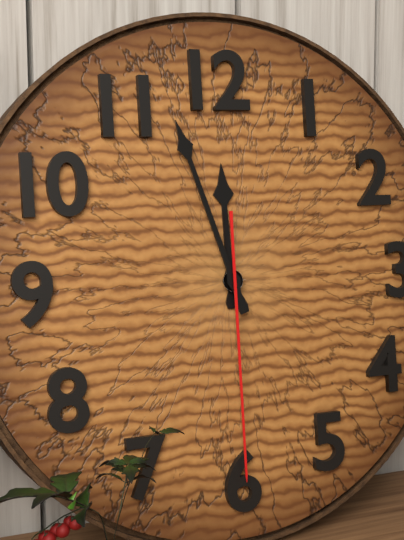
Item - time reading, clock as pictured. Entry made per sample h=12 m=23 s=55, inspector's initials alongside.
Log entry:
h=11 m=57 s=30
